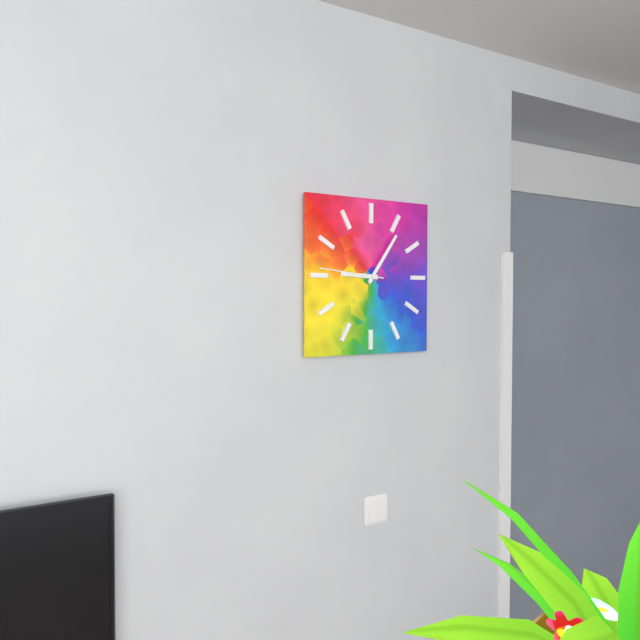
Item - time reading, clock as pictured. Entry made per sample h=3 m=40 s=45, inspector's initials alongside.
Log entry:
h=9 m=6 s=46
